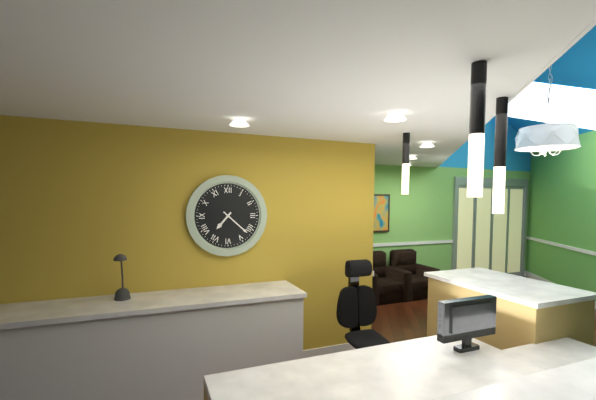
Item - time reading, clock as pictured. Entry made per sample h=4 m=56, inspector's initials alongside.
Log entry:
h=7 m=22
